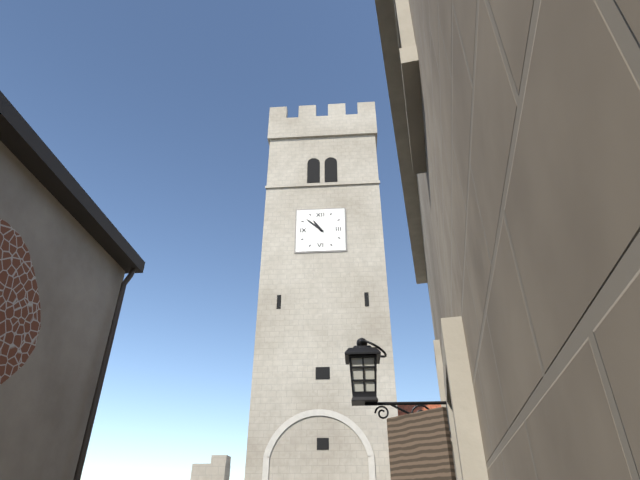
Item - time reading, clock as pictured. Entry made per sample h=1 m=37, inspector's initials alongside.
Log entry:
h=10 m=52
